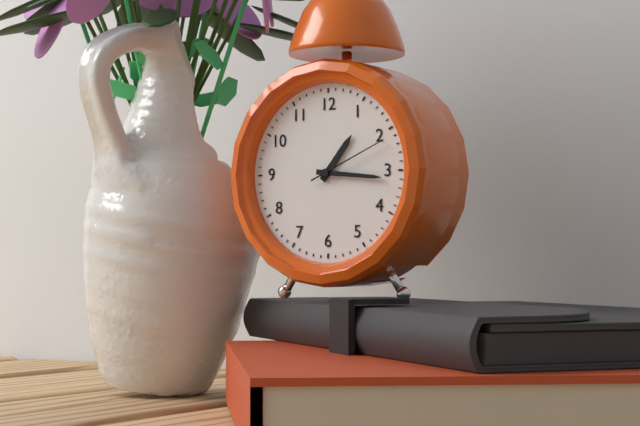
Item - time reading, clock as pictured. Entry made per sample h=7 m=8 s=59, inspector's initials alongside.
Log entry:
h=1 m=16 s=11
